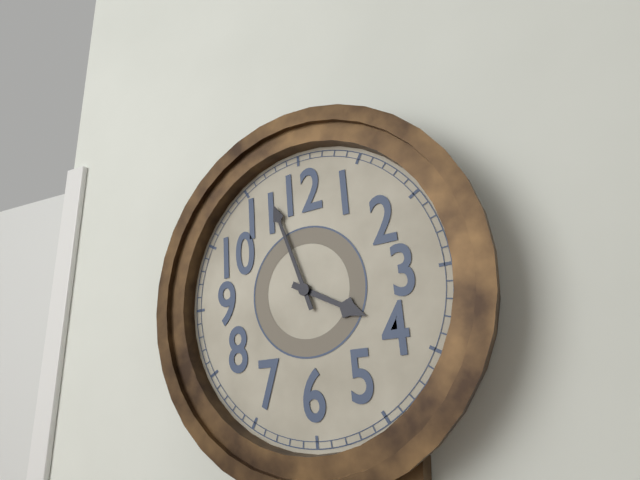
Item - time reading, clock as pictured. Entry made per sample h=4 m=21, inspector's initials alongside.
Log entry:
h=3 m=57
